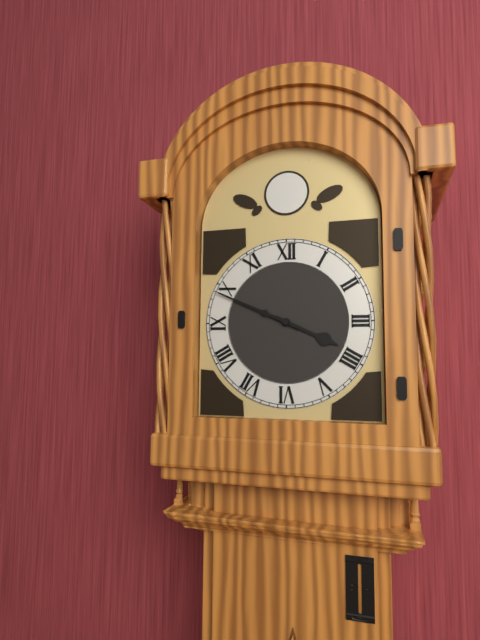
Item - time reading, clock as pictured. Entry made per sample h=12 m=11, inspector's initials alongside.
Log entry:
h=3 m=49
